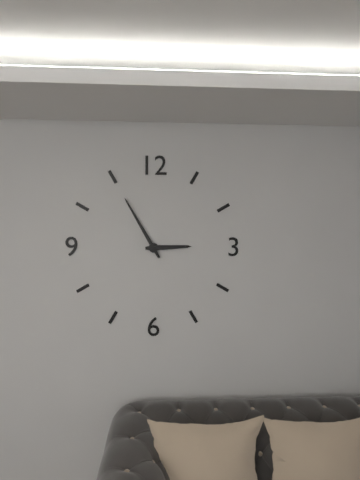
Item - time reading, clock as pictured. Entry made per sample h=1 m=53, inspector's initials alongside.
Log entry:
h=2 m=55
